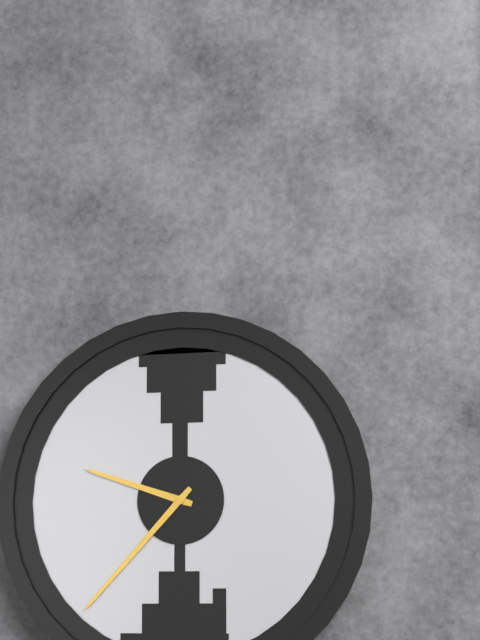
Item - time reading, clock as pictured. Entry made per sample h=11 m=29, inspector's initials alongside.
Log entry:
h=9 m=37
